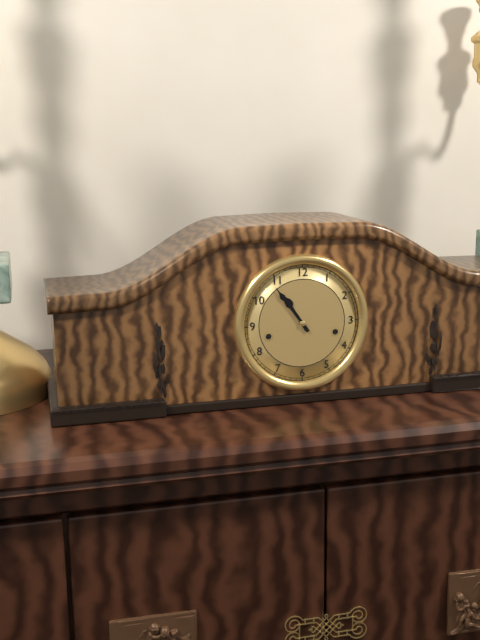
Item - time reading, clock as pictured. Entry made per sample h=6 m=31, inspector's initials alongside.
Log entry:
h=10 m=54
